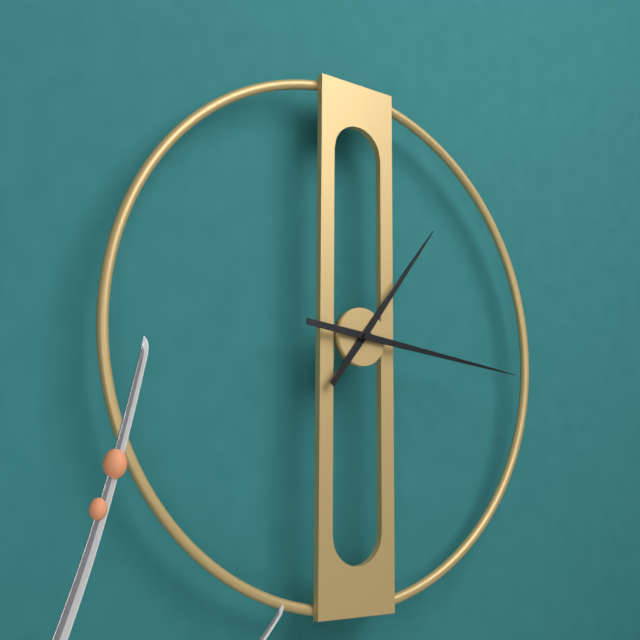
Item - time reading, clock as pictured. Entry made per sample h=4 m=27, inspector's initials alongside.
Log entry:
h=1 m=16
